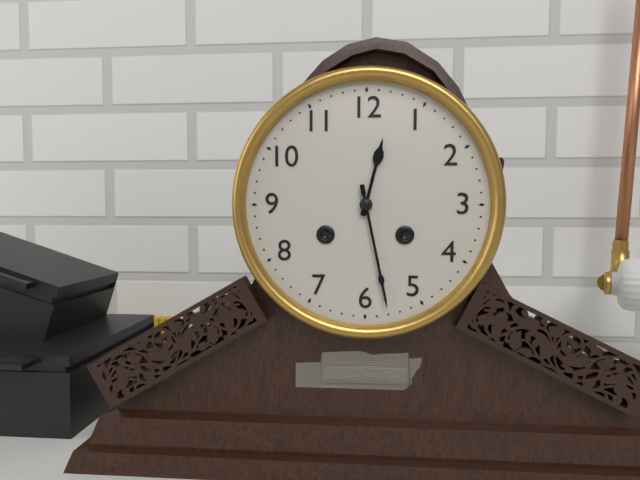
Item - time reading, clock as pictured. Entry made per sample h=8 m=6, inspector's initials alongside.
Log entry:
h=12 m=28
